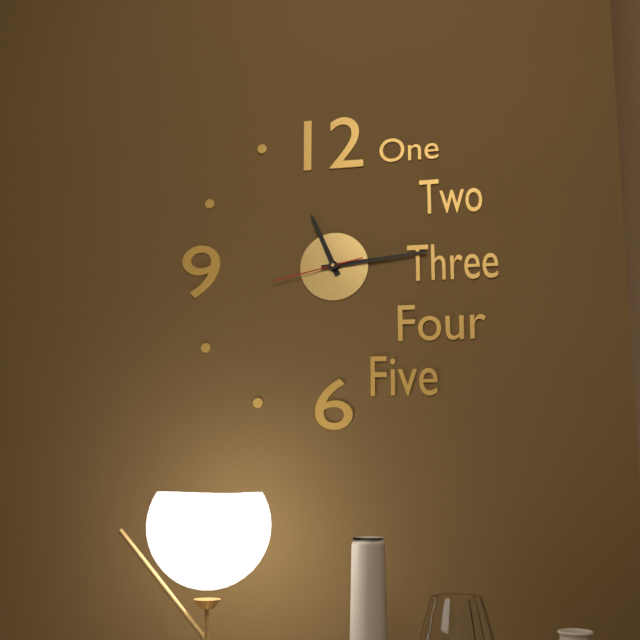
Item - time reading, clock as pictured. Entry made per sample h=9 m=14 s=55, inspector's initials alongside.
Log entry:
h=11 m=14 s=43
